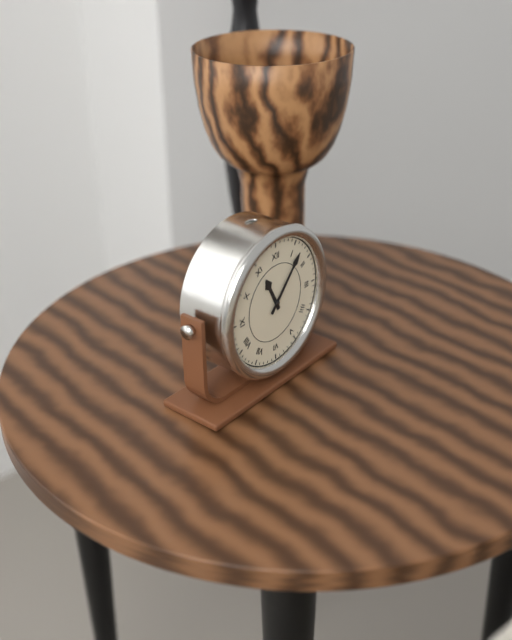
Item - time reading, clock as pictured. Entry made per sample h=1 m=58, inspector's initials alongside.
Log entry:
h=11 m=7
